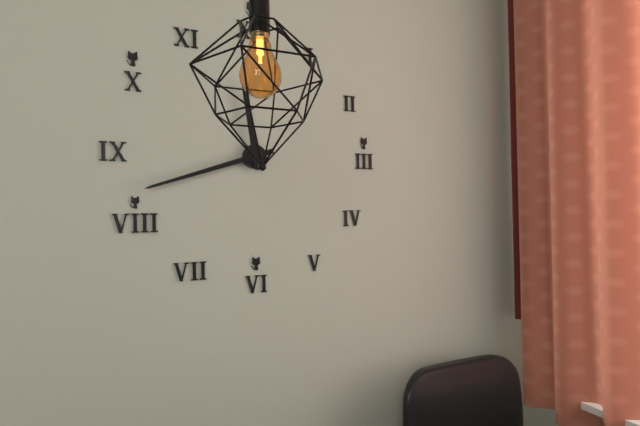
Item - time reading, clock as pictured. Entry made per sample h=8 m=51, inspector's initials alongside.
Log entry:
h=11 m=42
